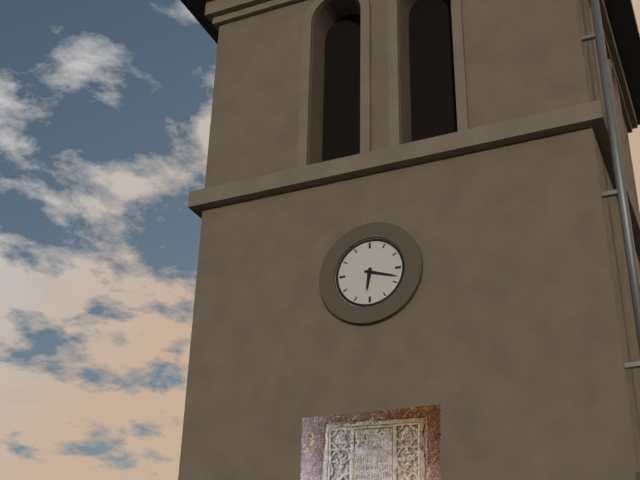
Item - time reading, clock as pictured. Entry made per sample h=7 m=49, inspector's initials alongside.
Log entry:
h=6 m=18
